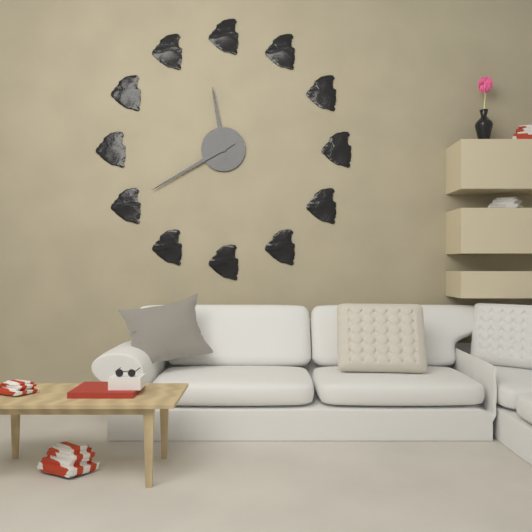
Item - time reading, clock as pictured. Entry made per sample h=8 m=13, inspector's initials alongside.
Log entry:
h=11 m=40
